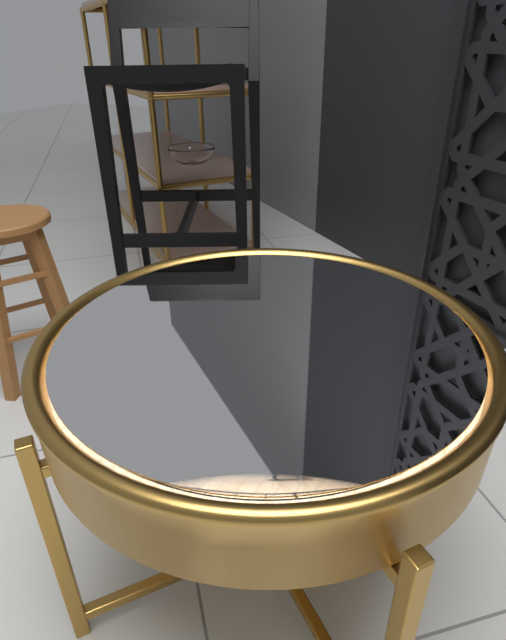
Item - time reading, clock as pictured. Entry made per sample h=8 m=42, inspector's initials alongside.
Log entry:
h=3 m=42
